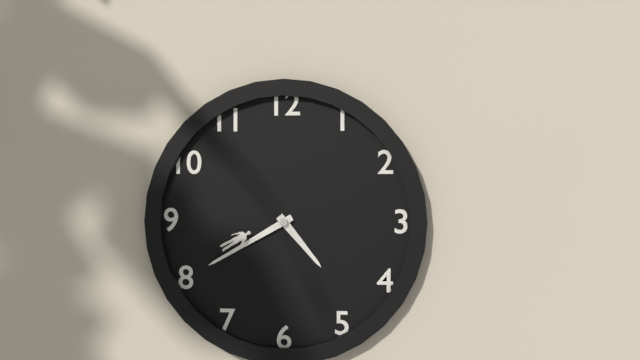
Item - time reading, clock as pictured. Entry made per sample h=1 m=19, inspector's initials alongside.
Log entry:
h=4 m=40
